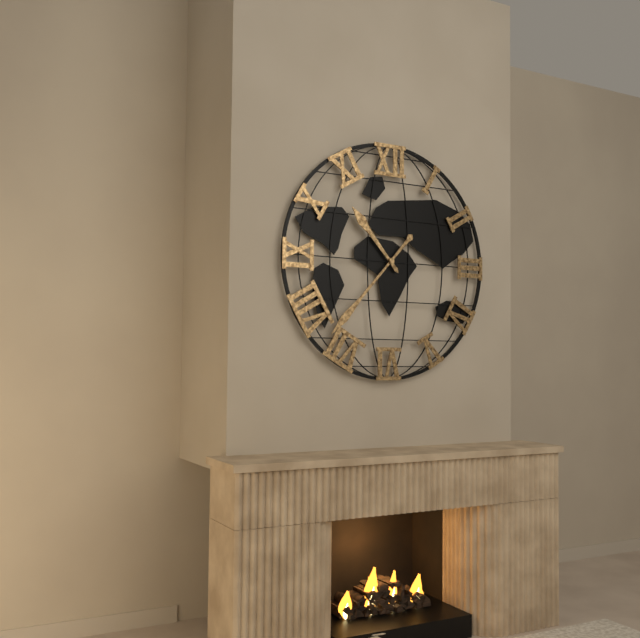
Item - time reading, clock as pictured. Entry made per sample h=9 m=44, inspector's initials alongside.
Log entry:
h=10 m=37
